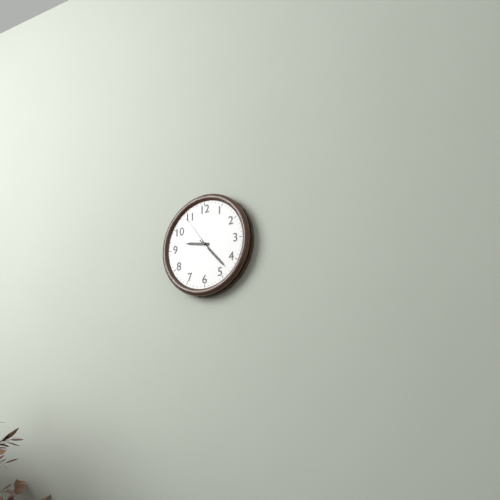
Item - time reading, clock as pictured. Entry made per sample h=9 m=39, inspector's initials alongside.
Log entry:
h=9 m=23
